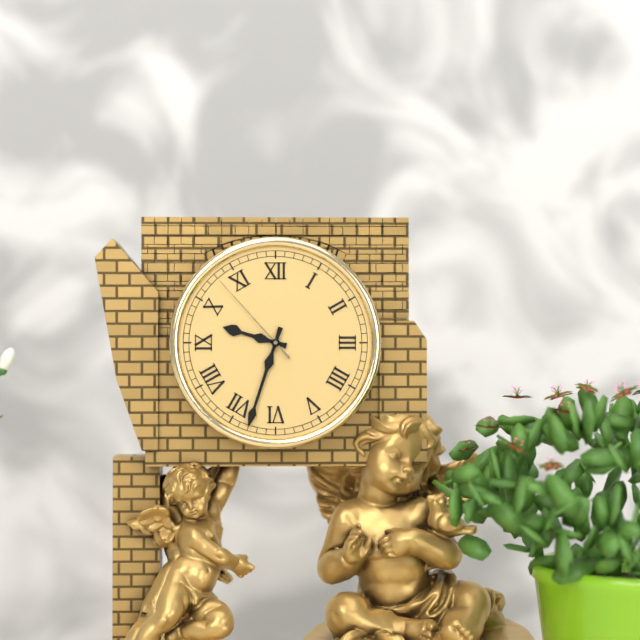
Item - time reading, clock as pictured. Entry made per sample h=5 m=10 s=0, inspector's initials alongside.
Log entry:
h=9 m=33 s=53
